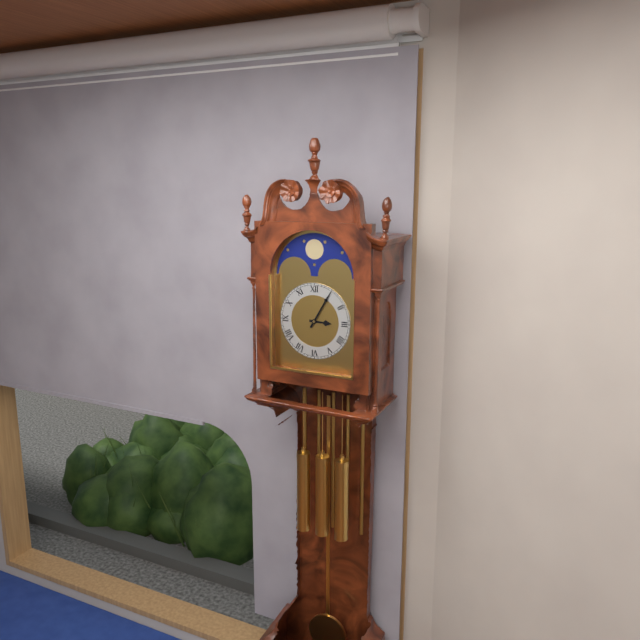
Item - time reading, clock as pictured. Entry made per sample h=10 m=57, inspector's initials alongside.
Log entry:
h=3 m=5
